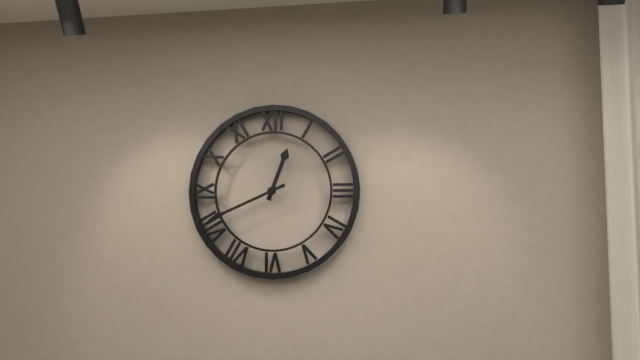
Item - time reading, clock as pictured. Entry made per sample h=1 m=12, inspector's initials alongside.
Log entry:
h=12 m=41
